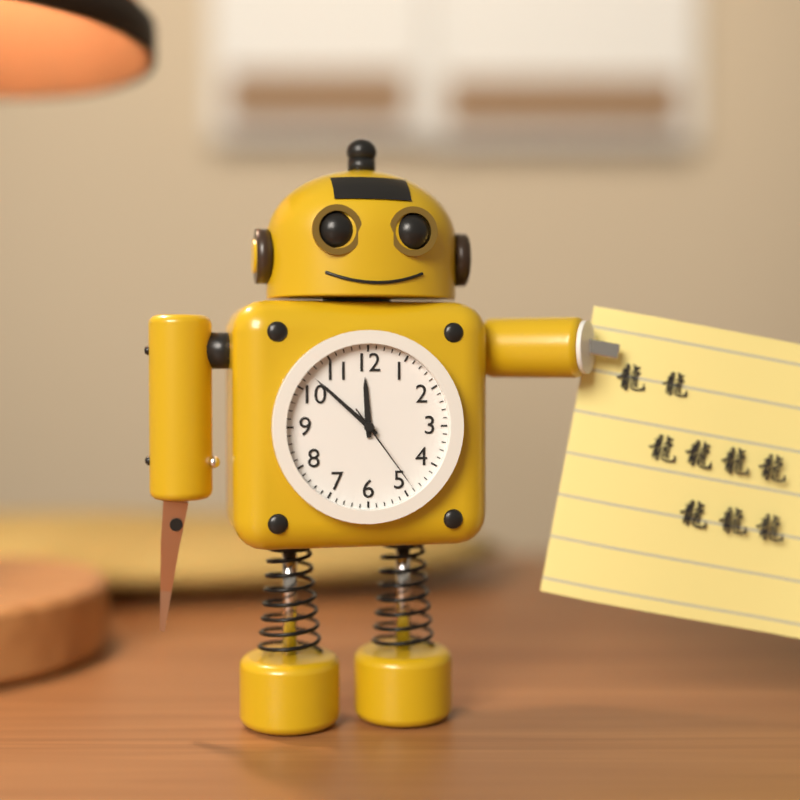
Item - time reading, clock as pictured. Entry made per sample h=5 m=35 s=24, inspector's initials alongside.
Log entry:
h=11 m=52 s=24
